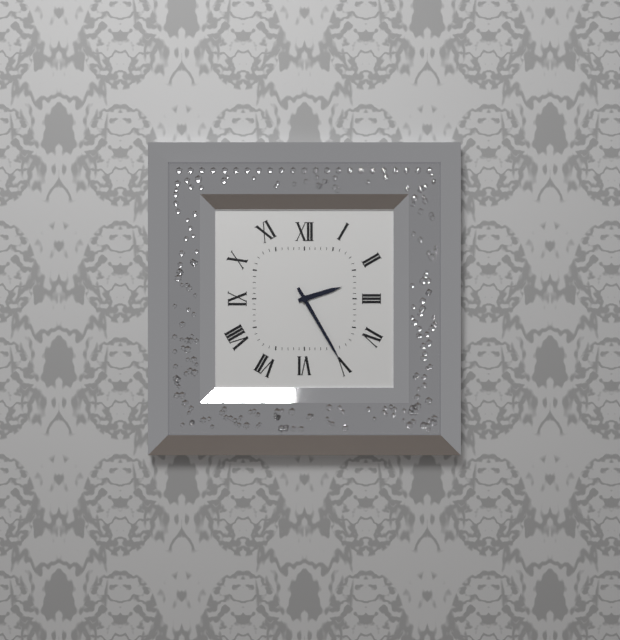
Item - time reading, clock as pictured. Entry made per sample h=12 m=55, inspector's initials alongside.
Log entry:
h=2 m=25
